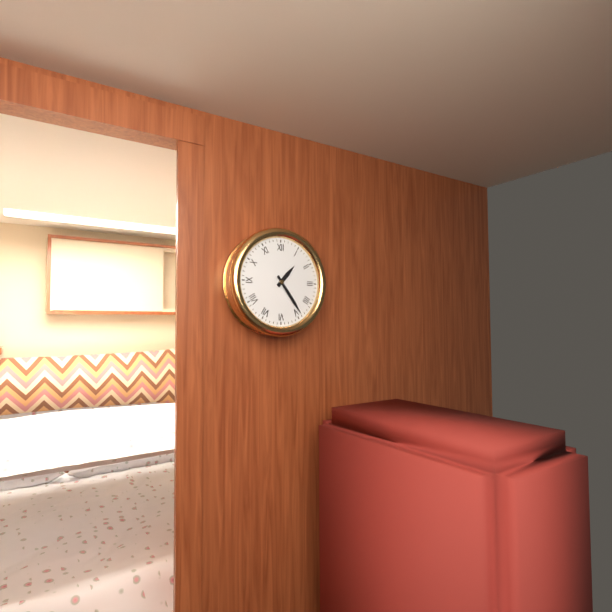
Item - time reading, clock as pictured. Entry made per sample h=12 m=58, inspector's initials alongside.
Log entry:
h=1 m=24
